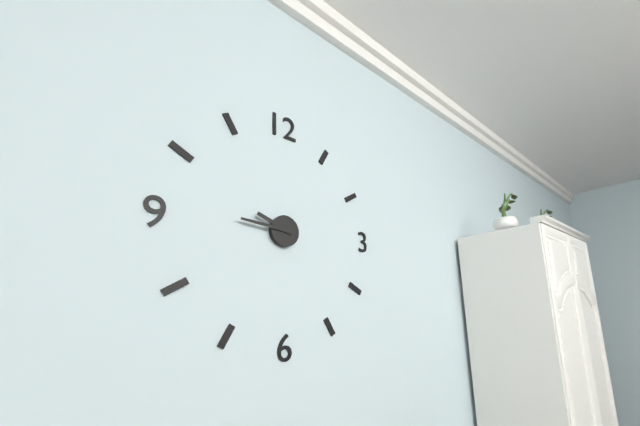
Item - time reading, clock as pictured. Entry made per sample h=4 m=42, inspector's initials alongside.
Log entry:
h=9 m=46
